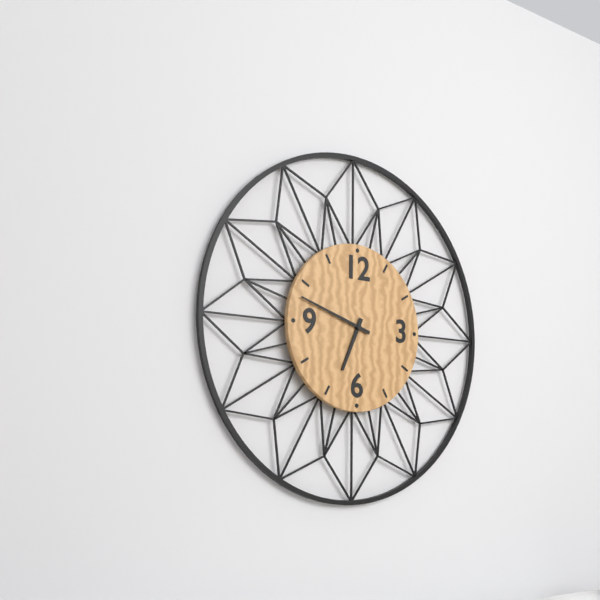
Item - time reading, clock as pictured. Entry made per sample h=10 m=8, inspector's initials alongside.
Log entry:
h=6 m=48
